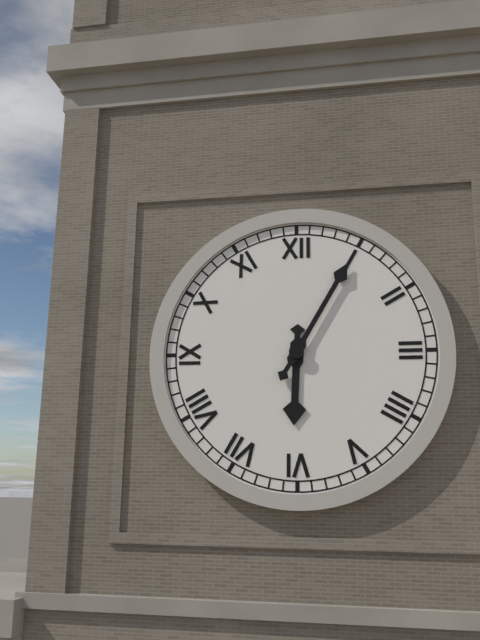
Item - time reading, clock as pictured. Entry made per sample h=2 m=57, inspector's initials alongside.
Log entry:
h=6 m=5
